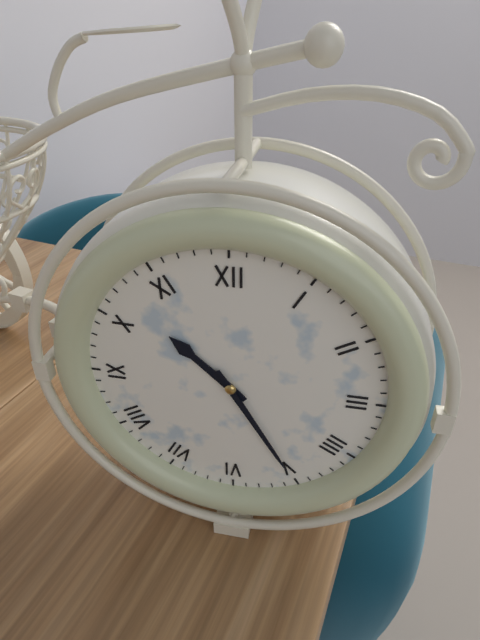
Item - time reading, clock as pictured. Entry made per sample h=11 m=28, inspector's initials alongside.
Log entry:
h=10 m=25
